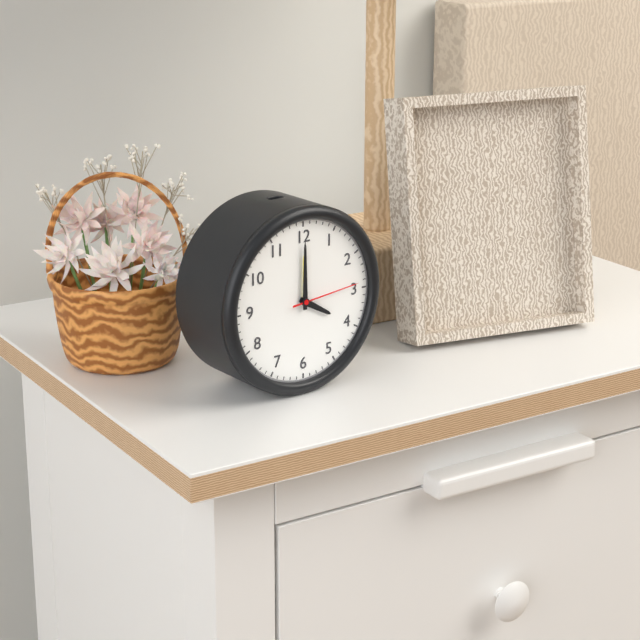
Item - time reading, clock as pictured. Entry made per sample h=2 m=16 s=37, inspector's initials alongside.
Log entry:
h=4 m=0 s=14
